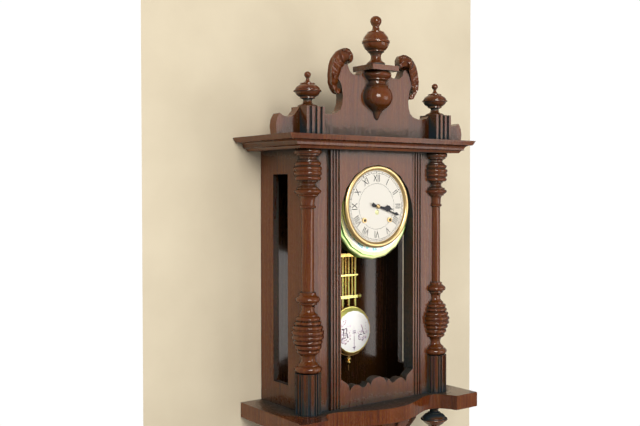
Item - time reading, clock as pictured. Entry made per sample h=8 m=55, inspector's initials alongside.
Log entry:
h=3 m=18
